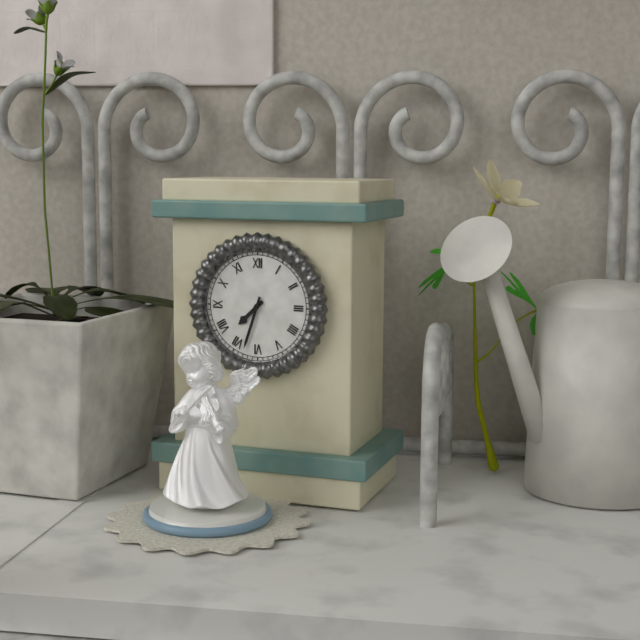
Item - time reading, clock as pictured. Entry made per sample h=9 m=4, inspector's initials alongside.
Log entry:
h=7 m=33
